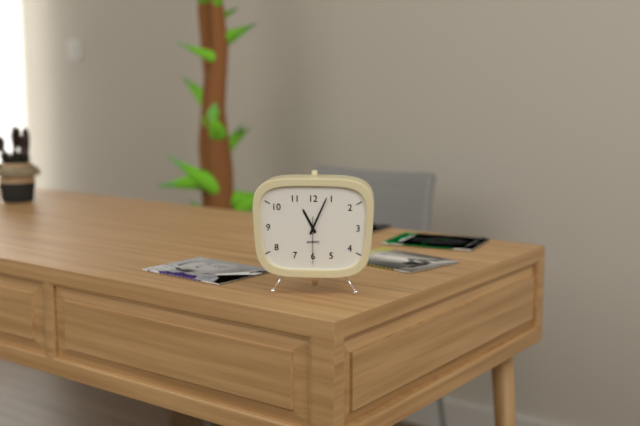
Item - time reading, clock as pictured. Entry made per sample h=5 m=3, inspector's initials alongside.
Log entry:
h=11 m=4
